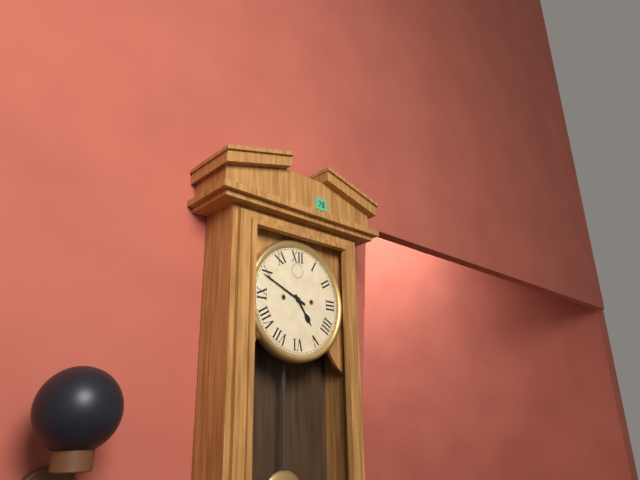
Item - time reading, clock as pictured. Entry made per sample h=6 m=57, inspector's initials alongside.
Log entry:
h=4 m=49
